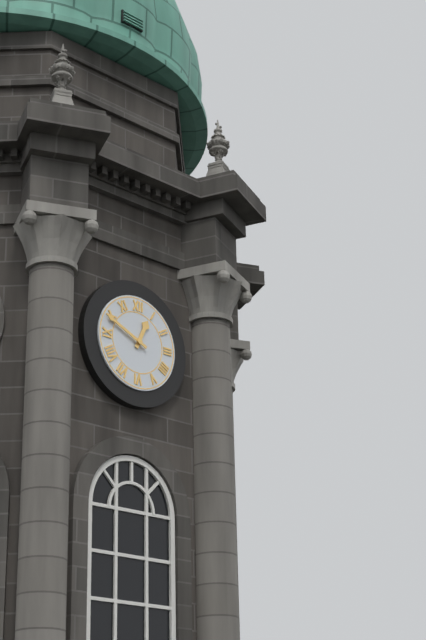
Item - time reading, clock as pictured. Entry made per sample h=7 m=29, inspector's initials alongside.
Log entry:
h=12 m=49
